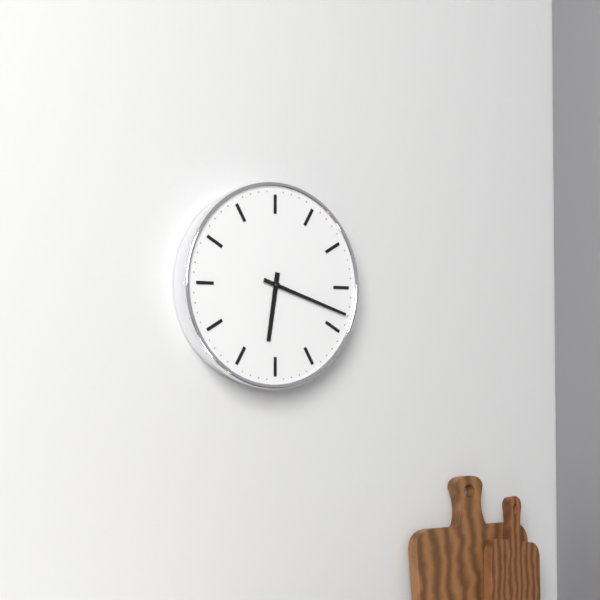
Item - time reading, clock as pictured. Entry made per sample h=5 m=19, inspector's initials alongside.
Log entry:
h=6 m=18
